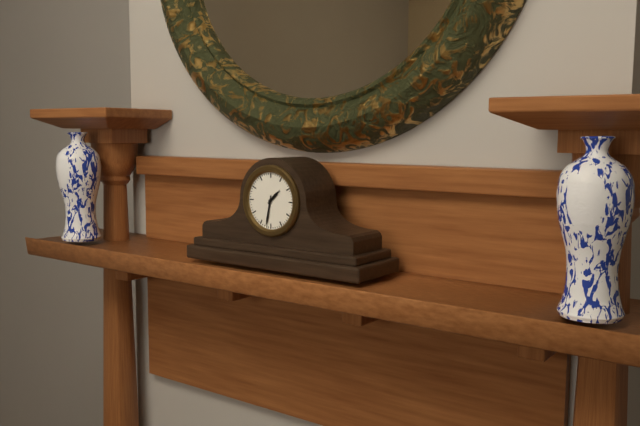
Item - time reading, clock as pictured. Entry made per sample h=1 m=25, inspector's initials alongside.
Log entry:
h=1 m=32
